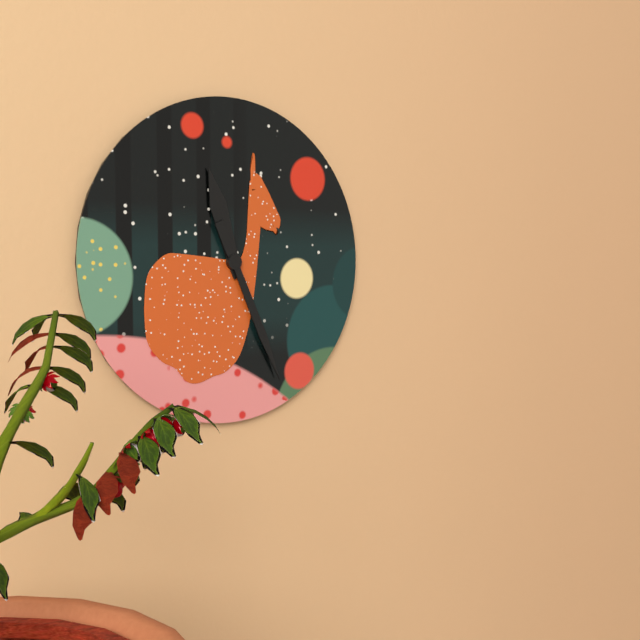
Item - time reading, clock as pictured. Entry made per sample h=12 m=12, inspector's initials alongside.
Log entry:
h=11 m=26
